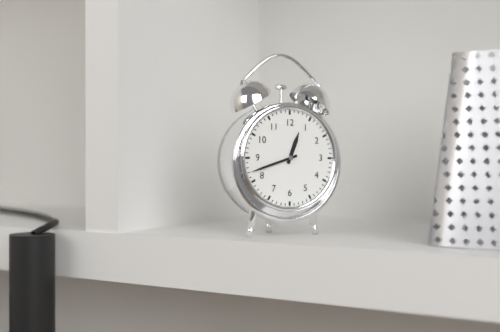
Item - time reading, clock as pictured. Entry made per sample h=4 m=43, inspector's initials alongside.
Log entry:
h=12 m=42
